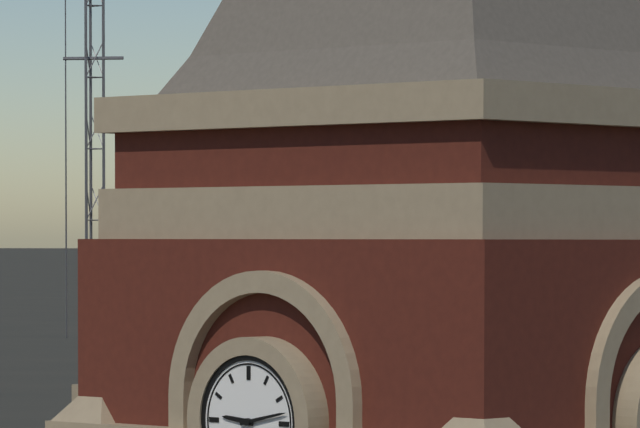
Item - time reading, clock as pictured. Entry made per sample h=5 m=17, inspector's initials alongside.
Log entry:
h=9 m=13
